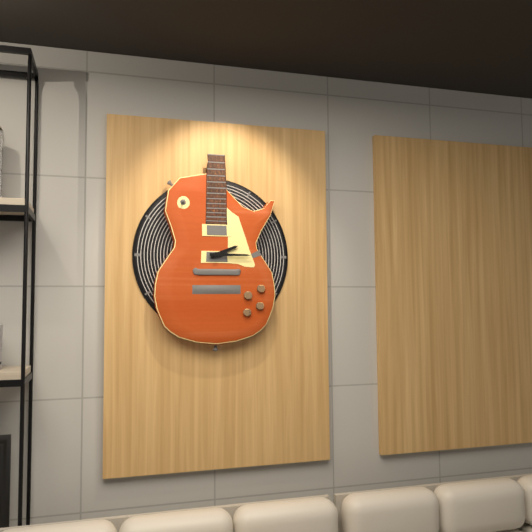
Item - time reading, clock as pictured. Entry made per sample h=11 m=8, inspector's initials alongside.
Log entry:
h=2 m=15
